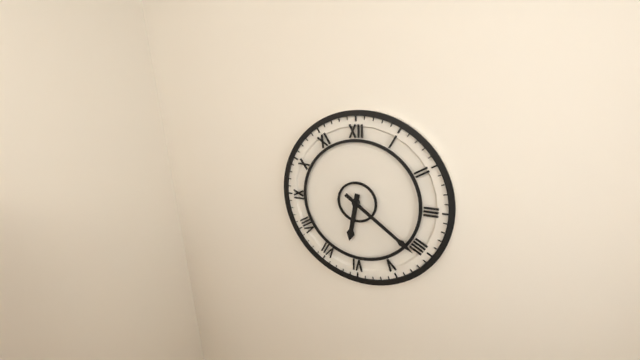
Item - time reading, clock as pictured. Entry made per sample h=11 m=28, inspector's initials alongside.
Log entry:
h=6 m=21
